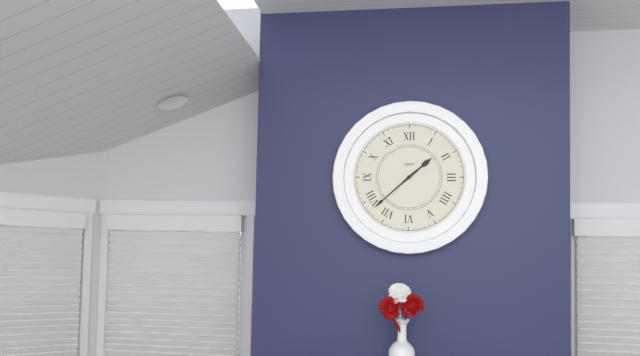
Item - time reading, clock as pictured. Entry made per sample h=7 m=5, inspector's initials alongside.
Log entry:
h=1 m=38
